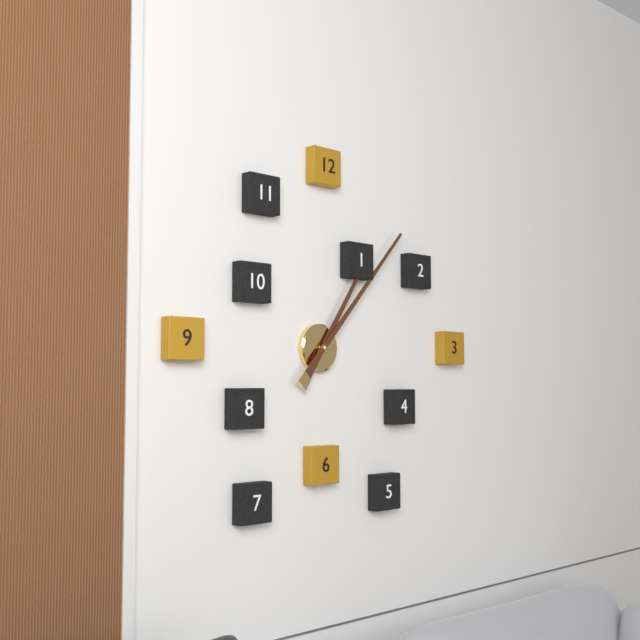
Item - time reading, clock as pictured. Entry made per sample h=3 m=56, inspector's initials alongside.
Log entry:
h=1 m=7
